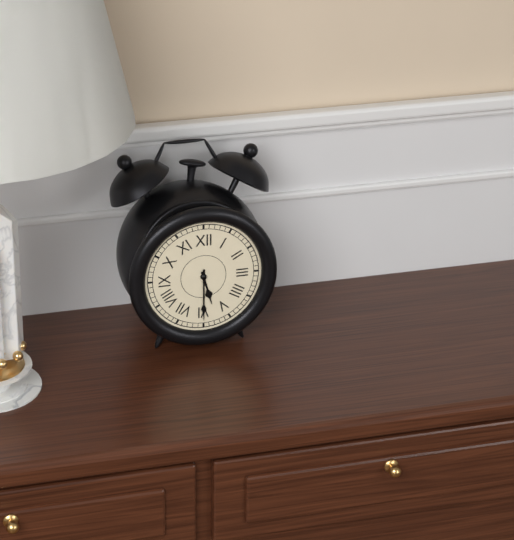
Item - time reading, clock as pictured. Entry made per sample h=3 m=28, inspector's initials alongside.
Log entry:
h=5 m=30
